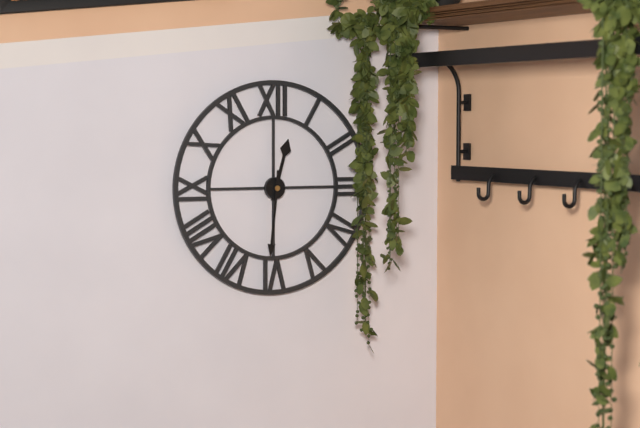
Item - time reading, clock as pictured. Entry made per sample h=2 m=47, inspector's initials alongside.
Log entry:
h=12 m=31
